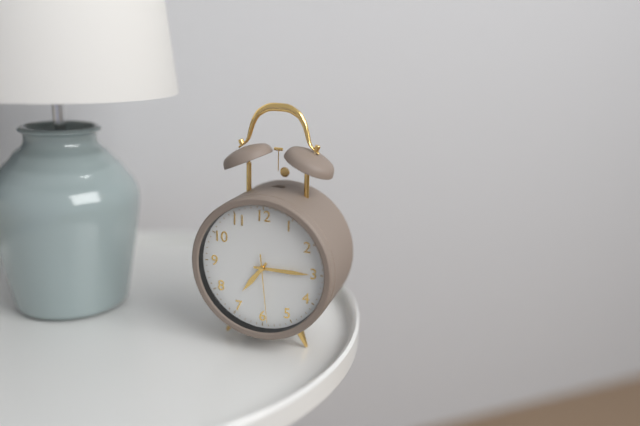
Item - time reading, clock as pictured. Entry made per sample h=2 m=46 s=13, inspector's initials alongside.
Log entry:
h=7 m=15 s=29
